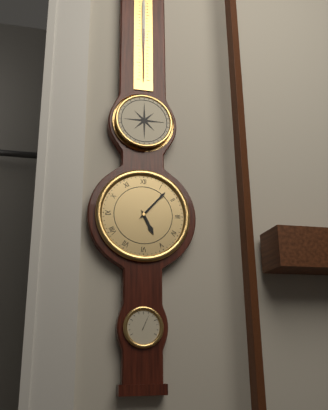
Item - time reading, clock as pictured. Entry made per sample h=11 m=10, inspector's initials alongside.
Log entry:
h=5 m=7
